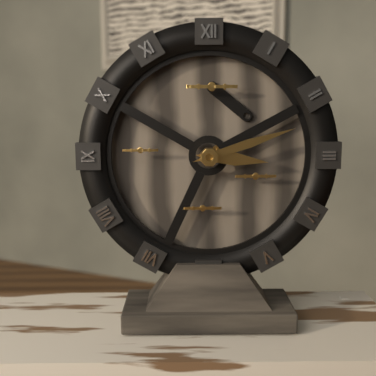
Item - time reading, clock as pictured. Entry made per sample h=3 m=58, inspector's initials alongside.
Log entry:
h=3 m=12
